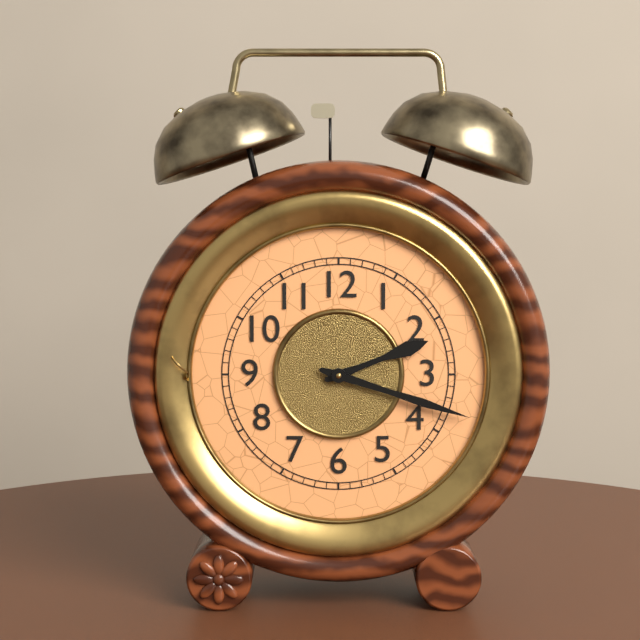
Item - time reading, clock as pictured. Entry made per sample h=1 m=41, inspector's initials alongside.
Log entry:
h=2 m=18
